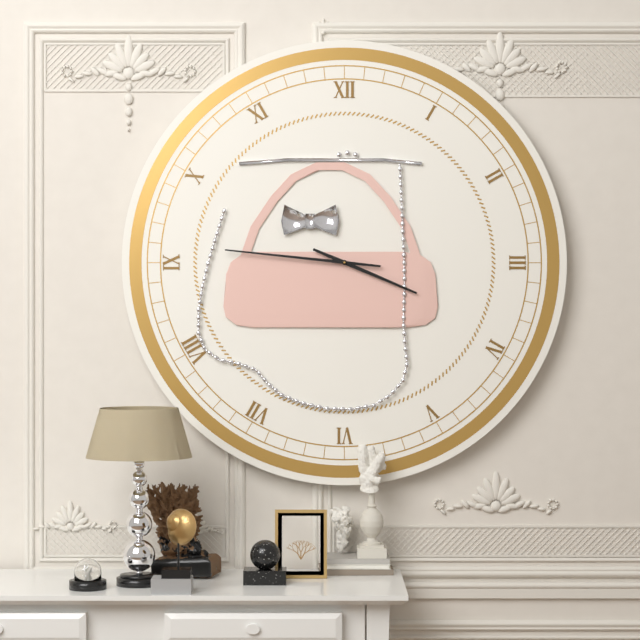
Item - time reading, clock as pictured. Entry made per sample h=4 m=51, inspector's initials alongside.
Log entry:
h=3 m=46
